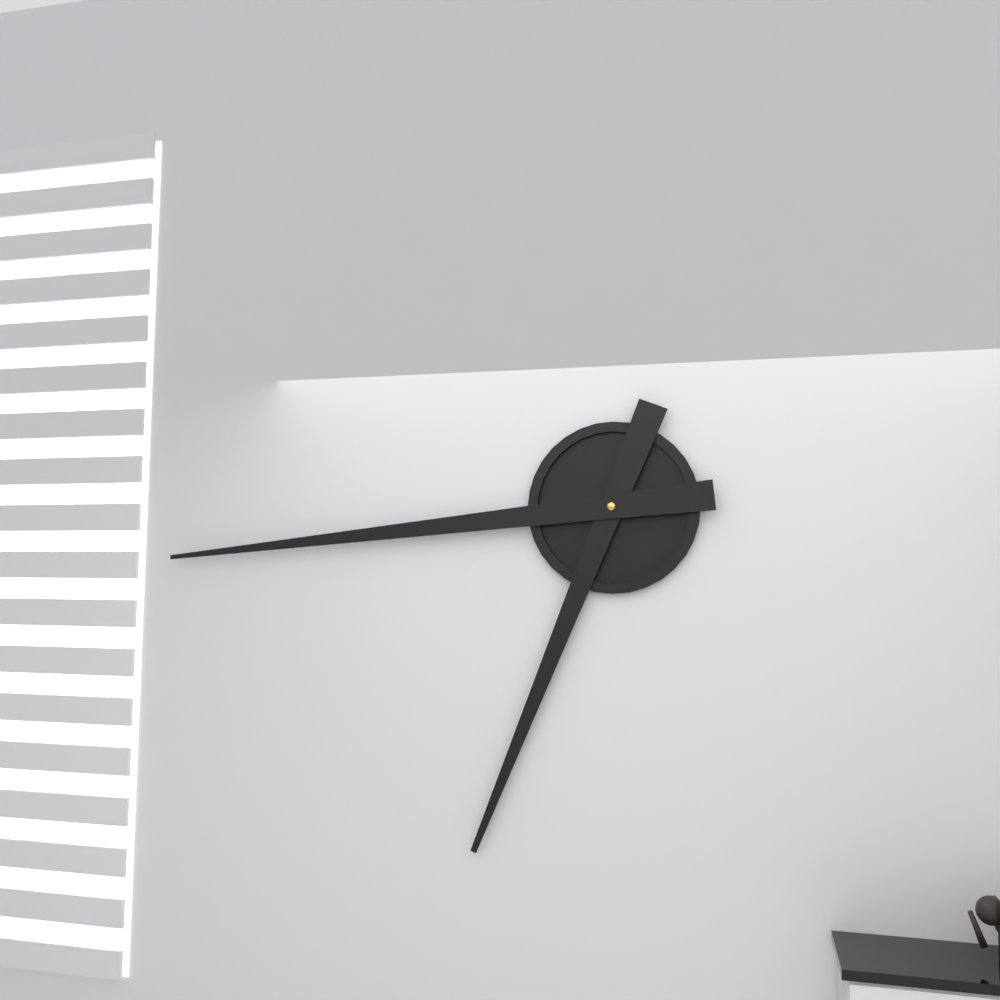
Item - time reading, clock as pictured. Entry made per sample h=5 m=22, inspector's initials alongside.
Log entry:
h=6 m=44
